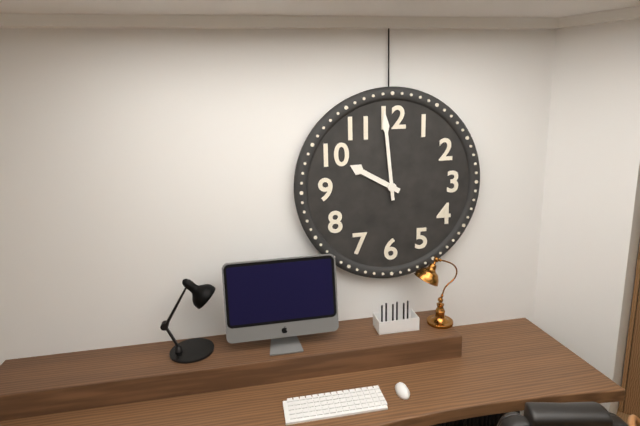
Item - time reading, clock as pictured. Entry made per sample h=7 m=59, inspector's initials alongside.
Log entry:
h=9 m=59
